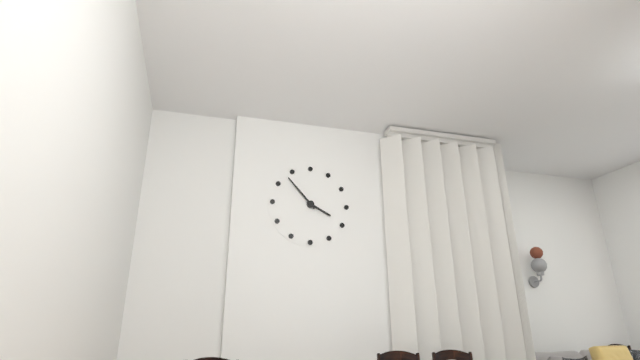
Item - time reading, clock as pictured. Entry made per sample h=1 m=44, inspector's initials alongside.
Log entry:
h=3 m=53
